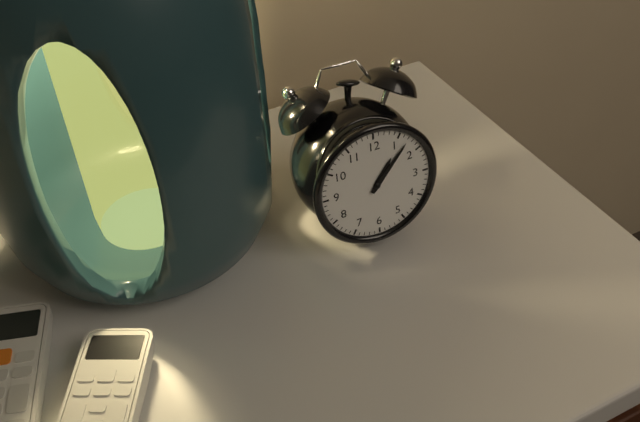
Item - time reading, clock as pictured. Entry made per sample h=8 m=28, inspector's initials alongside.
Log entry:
h=1 m=7
